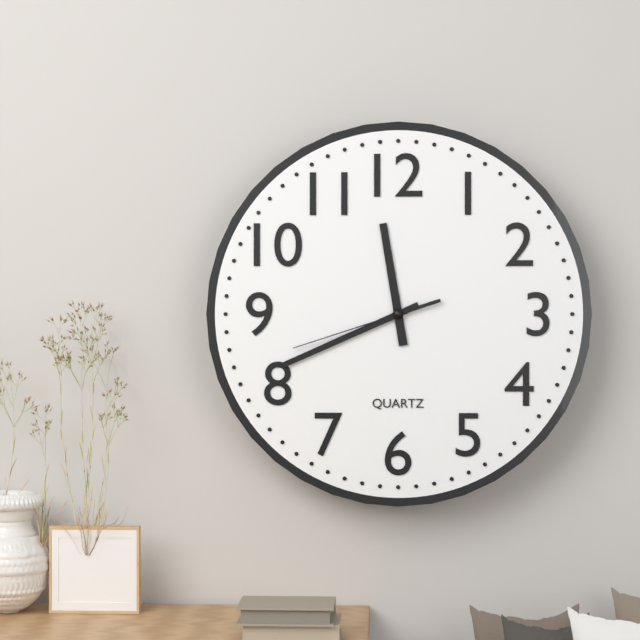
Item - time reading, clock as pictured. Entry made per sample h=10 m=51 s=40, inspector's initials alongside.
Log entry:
h=11 m=41 s=42
